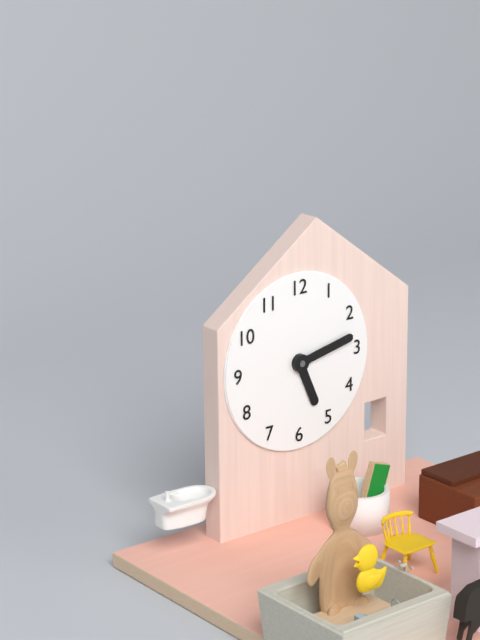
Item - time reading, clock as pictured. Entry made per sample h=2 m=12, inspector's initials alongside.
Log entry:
h=5 m=13
